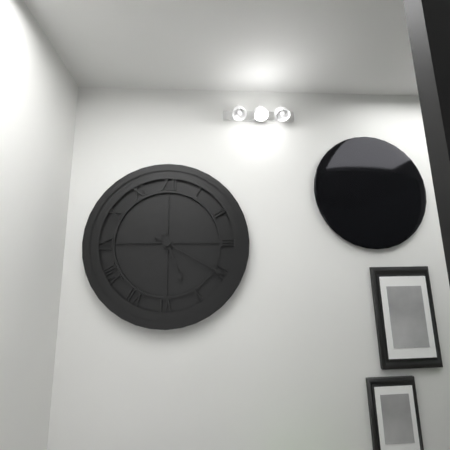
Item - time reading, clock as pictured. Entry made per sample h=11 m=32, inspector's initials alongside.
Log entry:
h=5 m=20
